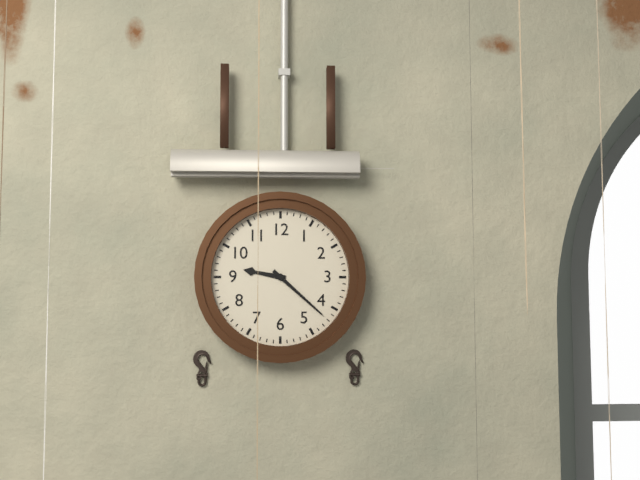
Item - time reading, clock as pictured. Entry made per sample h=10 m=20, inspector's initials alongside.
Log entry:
h=9 m=22
